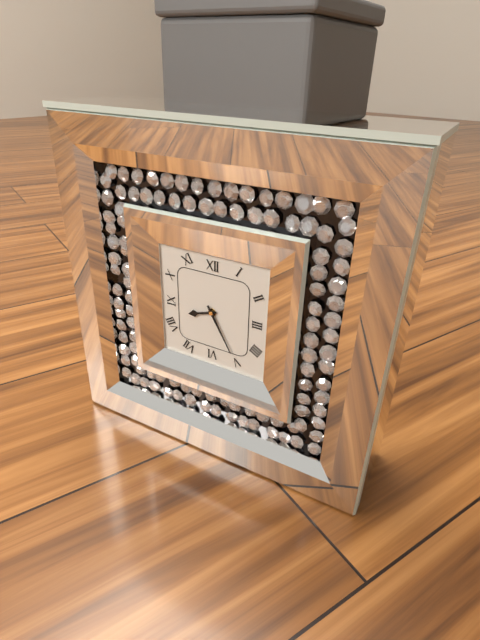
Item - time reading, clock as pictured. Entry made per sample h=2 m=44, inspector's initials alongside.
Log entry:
h=8 m=25
